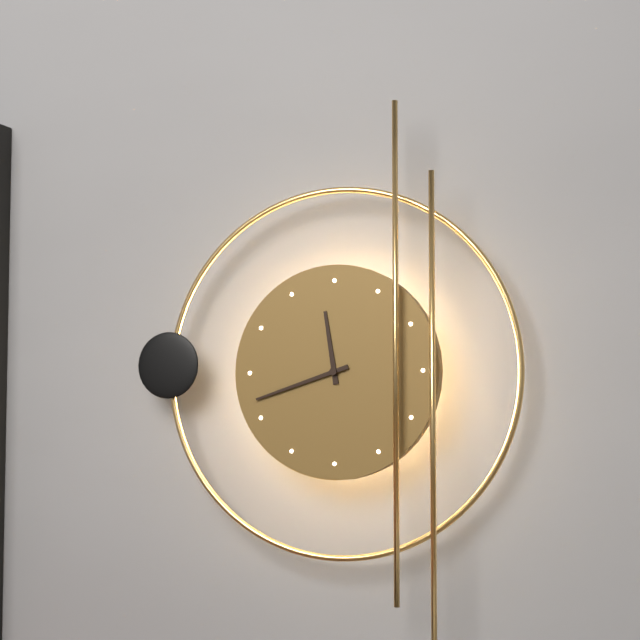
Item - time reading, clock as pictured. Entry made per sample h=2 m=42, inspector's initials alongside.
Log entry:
h=11 m=42
